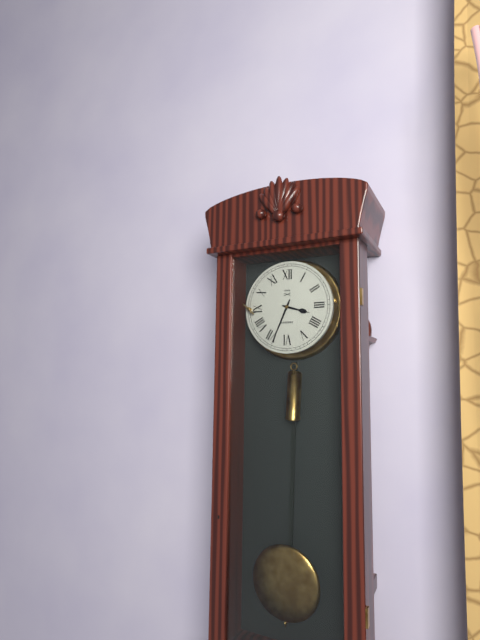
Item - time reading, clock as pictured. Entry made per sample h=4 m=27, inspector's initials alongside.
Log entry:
h=3 m=34
